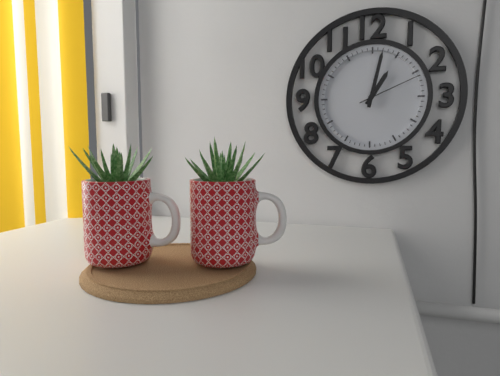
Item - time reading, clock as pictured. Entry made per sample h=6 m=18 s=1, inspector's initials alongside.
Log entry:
h=1 m=2 s=11
